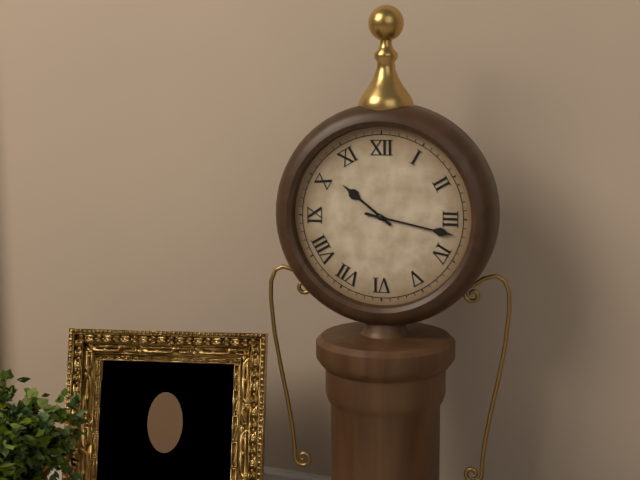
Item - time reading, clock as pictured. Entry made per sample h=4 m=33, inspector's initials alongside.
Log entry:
h=10 m=17
